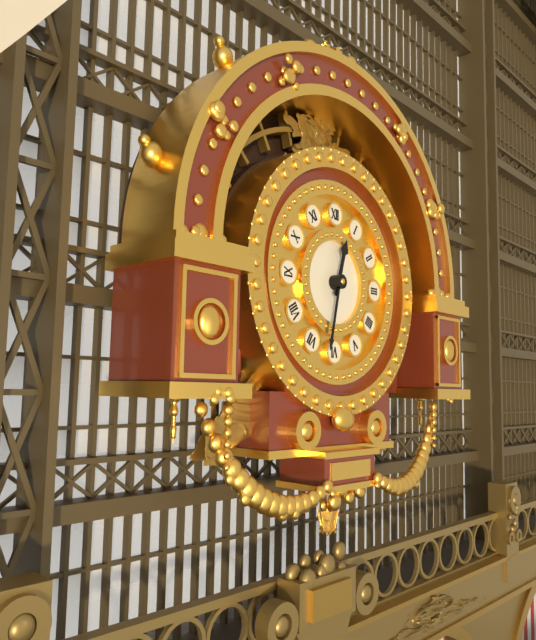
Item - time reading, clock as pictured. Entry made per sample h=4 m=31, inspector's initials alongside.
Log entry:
h=12 m=32
